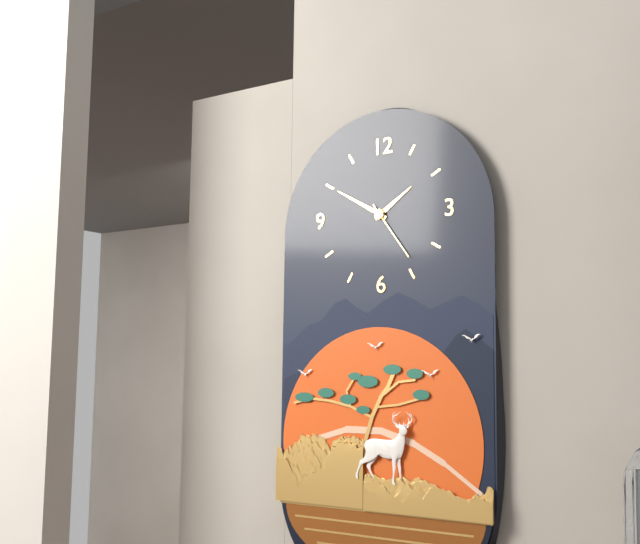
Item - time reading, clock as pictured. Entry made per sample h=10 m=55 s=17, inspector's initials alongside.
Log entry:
h=1 m=50 s=24
